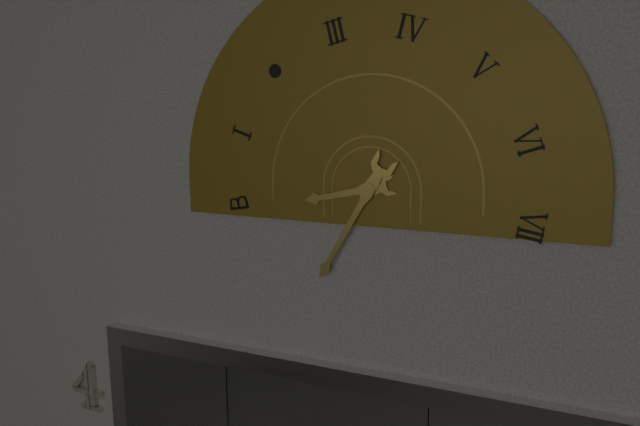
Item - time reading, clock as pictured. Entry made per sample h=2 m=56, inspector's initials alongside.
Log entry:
h=8 m=35
